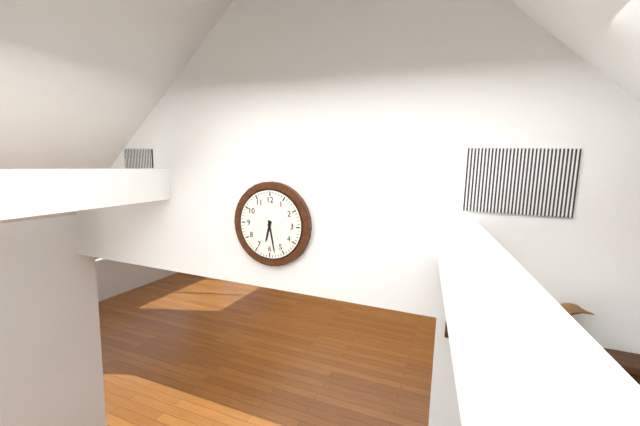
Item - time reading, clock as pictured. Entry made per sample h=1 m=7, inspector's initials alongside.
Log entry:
h=6 m=28
